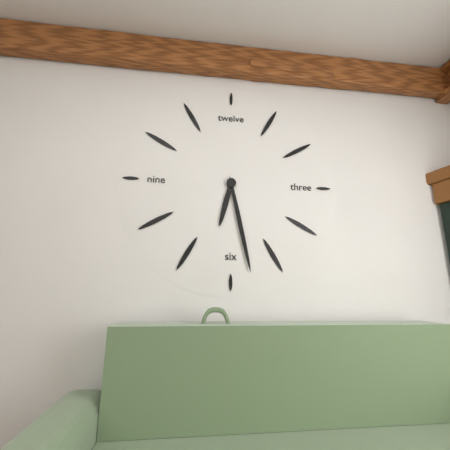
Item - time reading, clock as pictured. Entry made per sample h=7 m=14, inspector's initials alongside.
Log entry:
h=6 m=28
